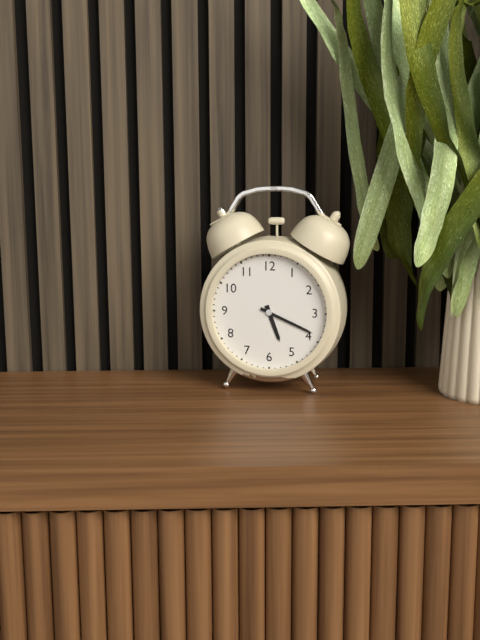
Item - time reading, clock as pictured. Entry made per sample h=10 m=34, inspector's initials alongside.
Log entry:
h=5 m=19
